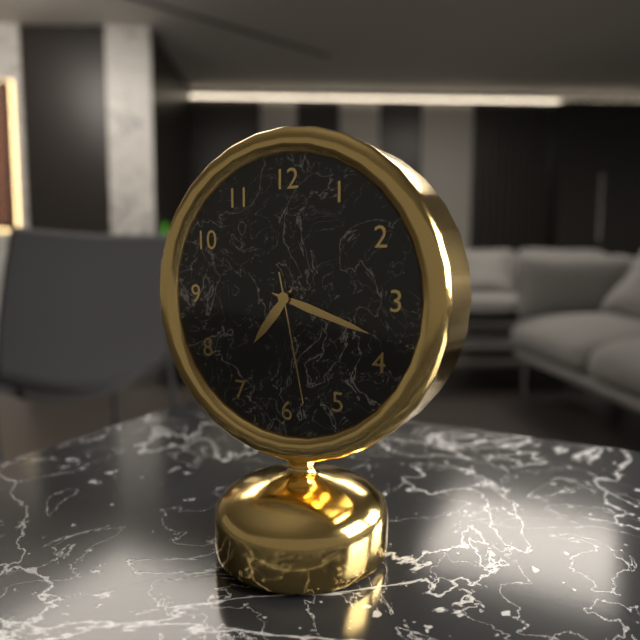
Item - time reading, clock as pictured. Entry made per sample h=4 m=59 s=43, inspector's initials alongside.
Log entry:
h=7 m=18 s=28
